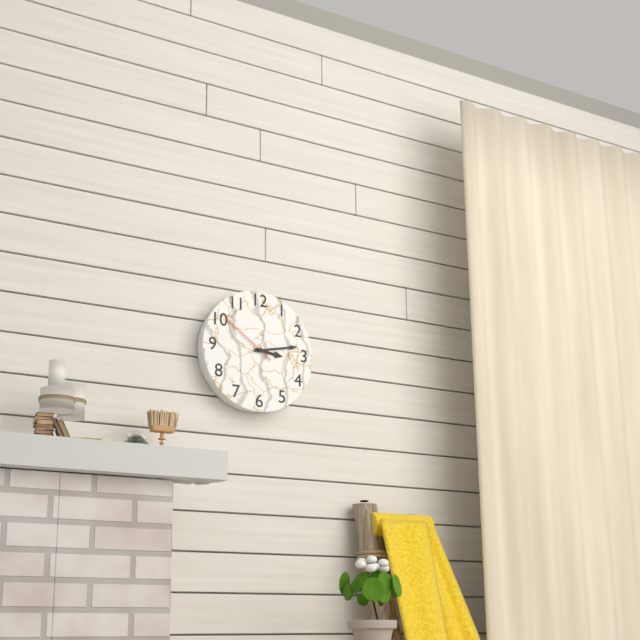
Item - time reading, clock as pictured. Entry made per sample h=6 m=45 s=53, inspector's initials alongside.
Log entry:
h=3 m=13 s=51
